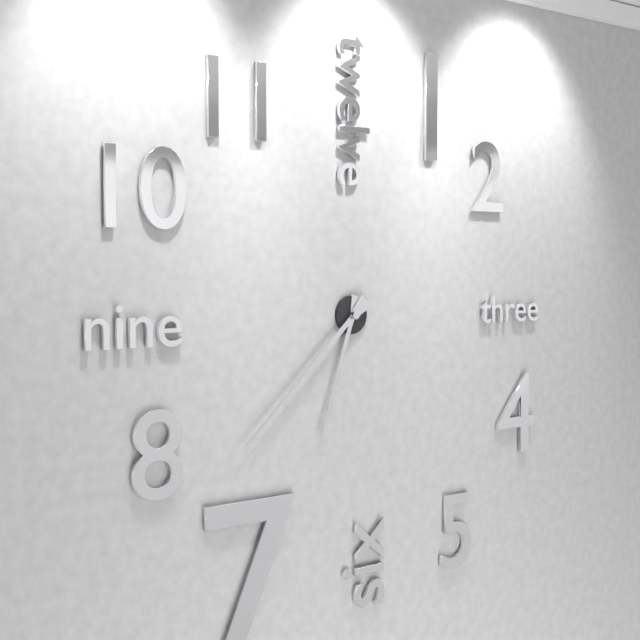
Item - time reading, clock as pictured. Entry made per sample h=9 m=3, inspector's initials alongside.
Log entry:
h=6 m=38
